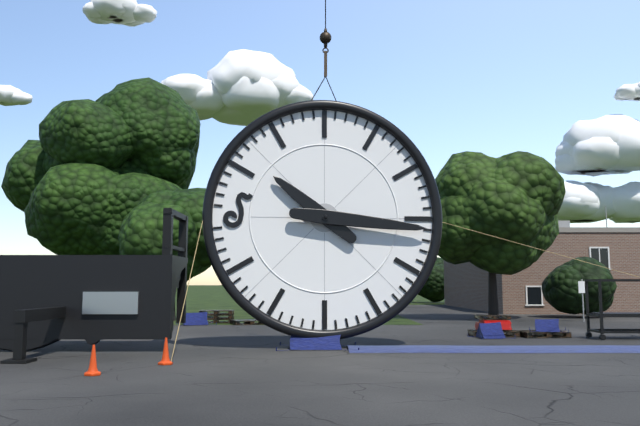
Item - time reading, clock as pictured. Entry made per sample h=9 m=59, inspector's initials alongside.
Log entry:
h=10 m=16
